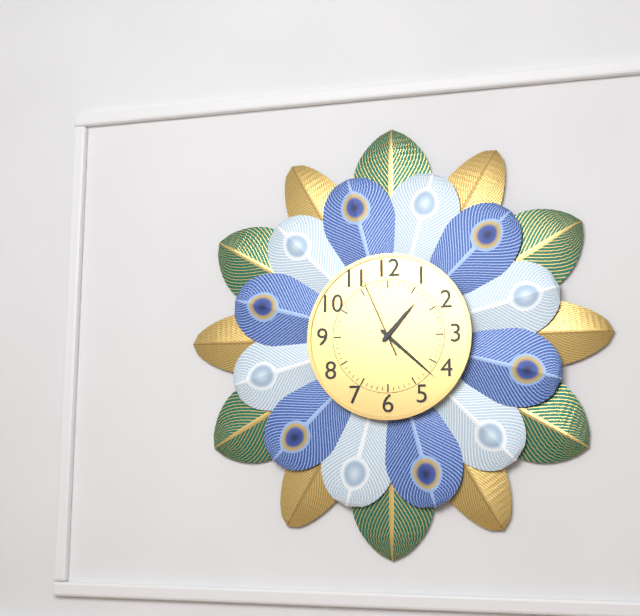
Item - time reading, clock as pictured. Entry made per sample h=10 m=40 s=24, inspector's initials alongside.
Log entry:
h=1 m=22 s=56
